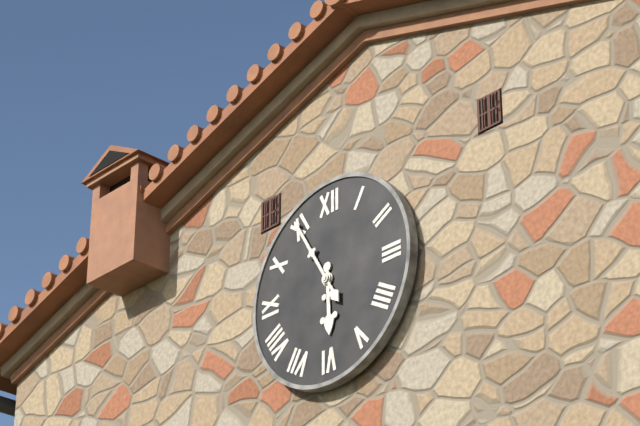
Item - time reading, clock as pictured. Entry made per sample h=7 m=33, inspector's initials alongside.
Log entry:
h=5 m=55
